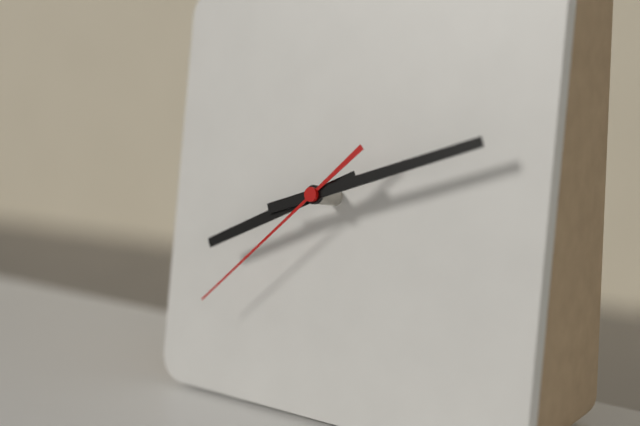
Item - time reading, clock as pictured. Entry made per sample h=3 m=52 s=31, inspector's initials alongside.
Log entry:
h=8 m=12 s=38
